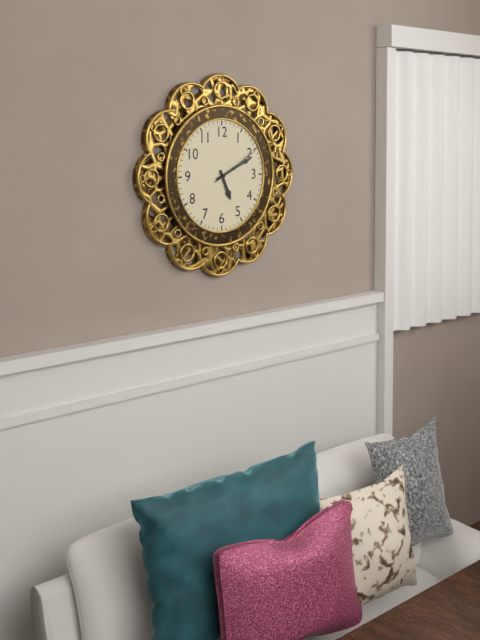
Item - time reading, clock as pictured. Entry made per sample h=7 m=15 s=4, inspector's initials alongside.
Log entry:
h=5 m=11 s=10
